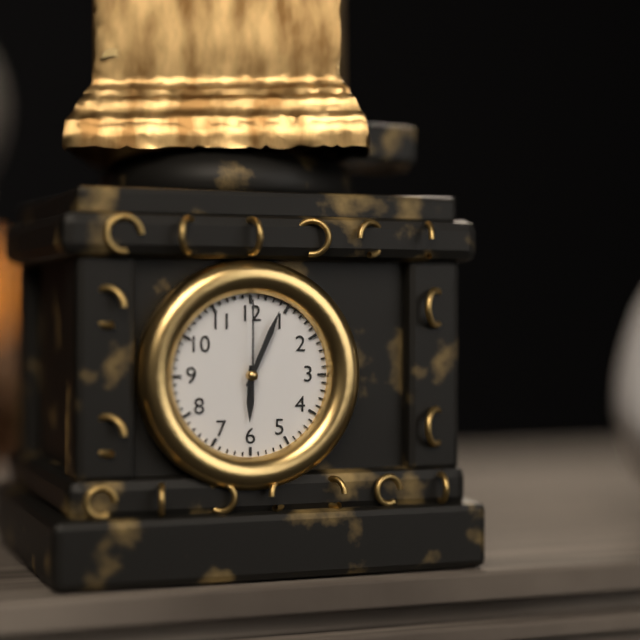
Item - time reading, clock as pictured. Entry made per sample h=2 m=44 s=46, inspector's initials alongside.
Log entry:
h=6 m=4 s=0
